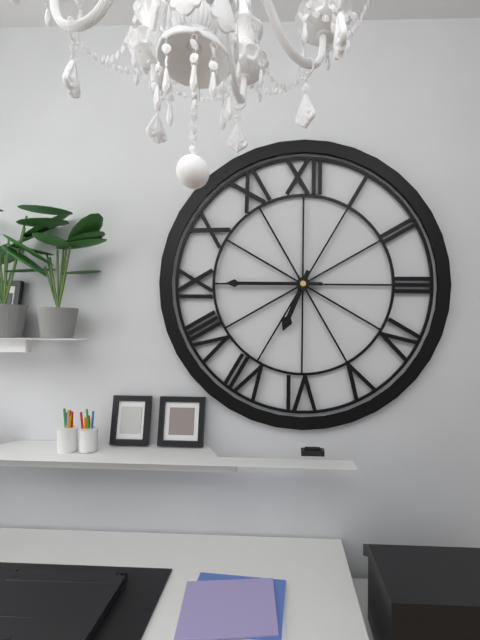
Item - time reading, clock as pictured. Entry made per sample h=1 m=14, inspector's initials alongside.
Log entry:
h=6 m=45
